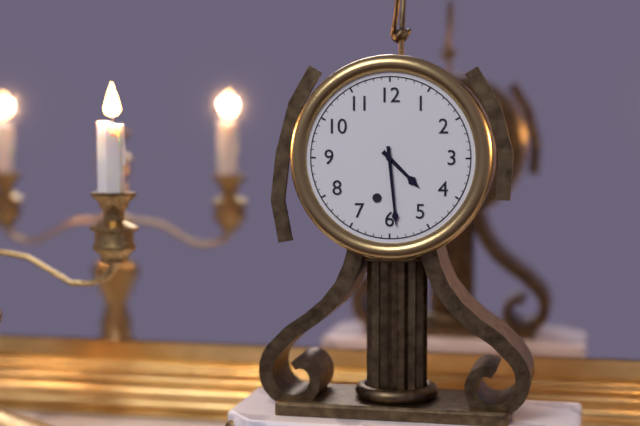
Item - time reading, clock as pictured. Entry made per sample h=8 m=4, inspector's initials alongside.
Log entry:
h=4 m=29
